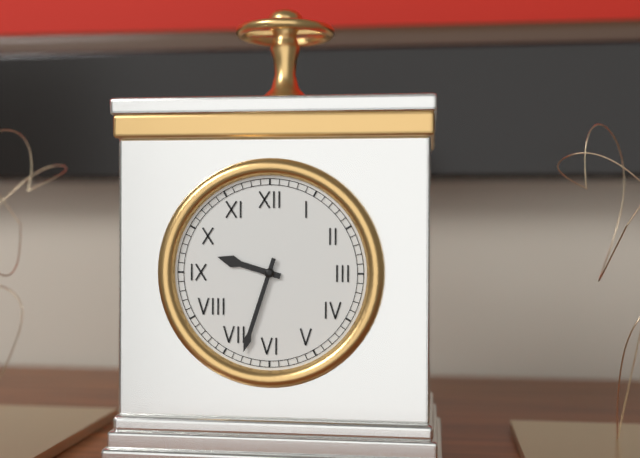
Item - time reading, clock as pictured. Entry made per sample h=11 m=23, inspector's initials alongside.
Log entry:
h=9 m=33
